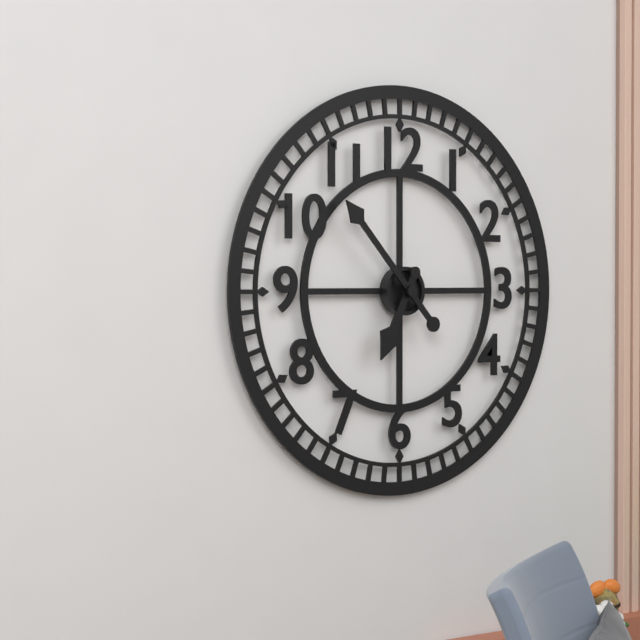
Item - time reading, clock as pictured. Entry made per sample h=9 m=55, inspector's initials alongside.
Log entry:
h=6 m=53
